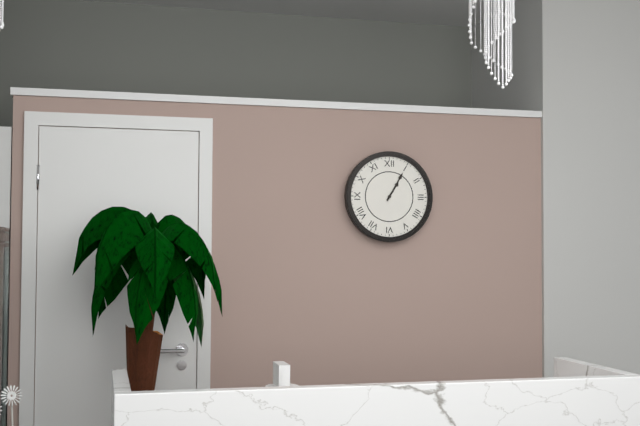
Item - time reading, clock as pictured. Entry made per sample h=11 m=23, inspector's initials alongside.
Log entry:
h=1 m=5
